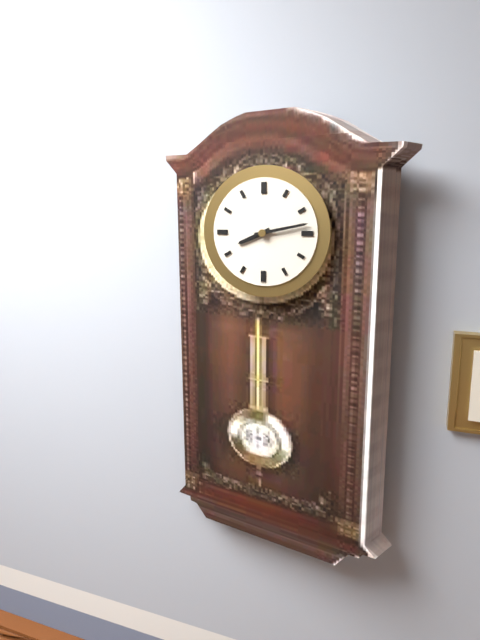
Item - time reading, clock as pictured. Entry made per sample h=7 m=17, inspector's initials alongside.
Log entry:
h=8 m=13
